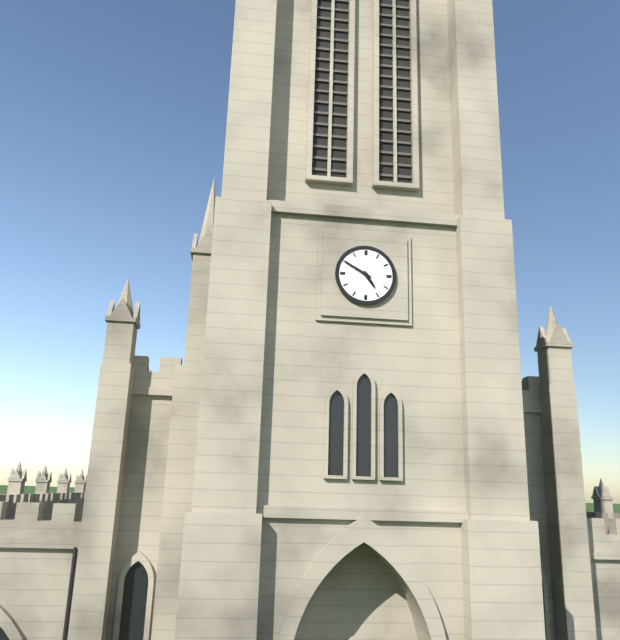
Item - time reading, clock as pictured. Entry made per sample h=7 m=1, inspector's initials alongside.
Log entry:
h=4 m=50
